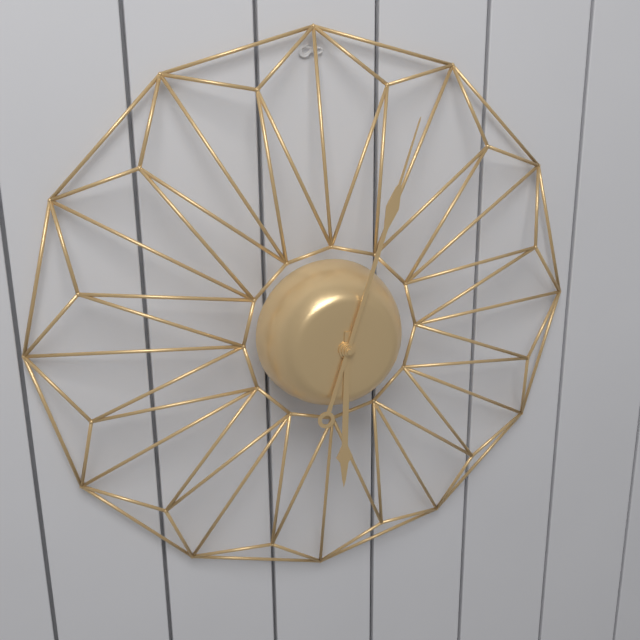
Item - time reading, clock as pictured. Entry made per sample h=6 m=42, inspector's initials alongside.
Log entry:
h=6 m=3
